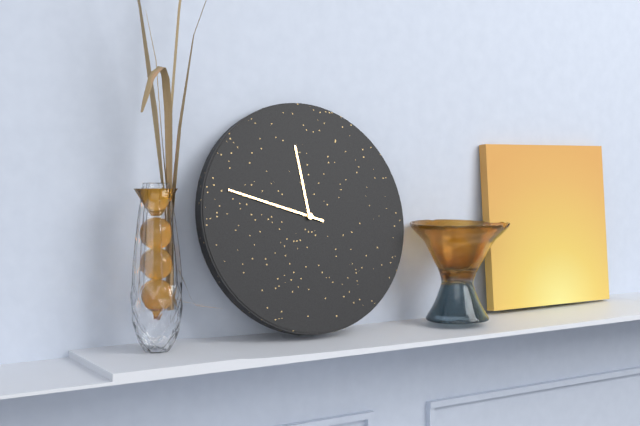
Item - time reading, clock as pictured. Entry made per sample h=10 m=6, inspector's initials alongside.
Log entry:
h=11 m=48
